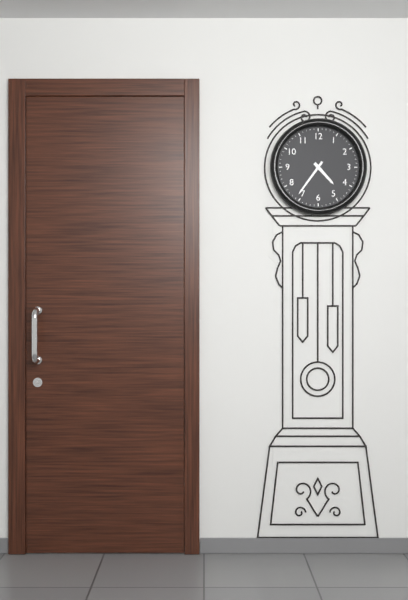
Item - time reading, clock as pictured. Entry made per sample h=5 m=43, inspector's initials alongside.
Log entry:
h=4 m=36
